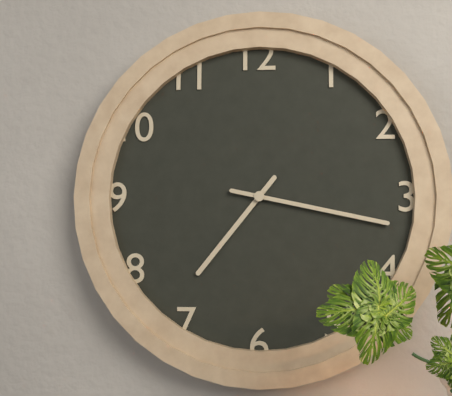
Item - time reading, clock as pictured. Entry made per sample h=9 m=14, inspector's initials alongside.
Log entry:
h=7 m=17
